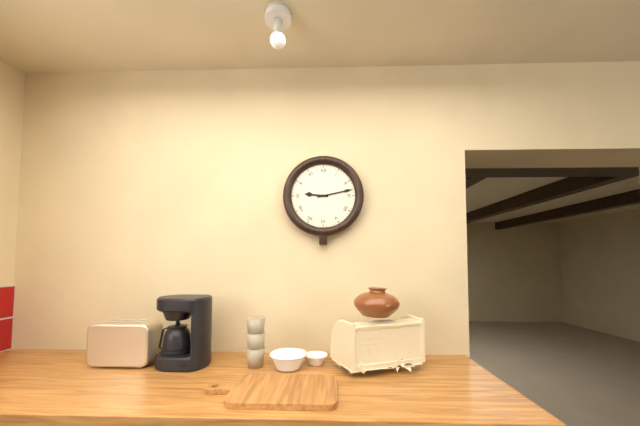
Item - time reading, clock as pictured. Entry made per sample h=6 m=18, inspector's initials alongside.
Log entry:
h=9 m=13
